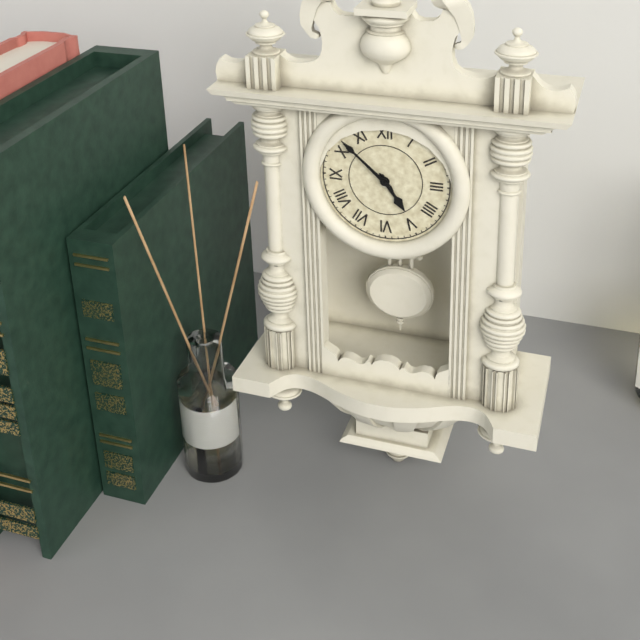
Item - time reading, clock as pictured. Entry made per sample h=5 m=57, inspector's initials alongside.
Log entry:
h=4 m=52
